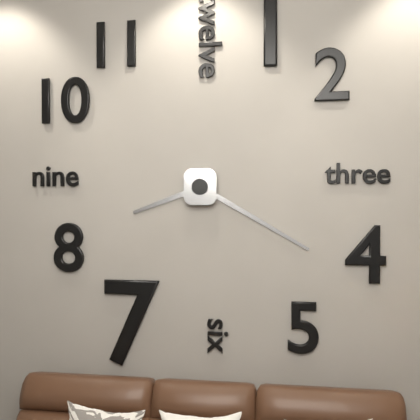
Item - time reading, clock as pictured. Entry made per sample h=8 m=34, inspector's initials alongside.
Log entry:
h=8 m=20
